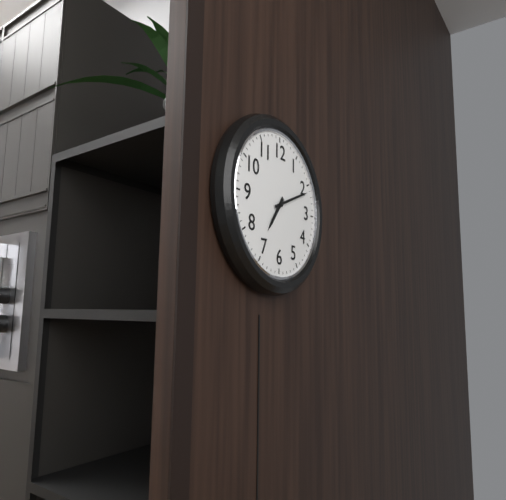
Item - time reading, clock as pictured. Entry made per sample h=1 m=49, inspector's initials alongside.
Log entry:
h=7 m=11
